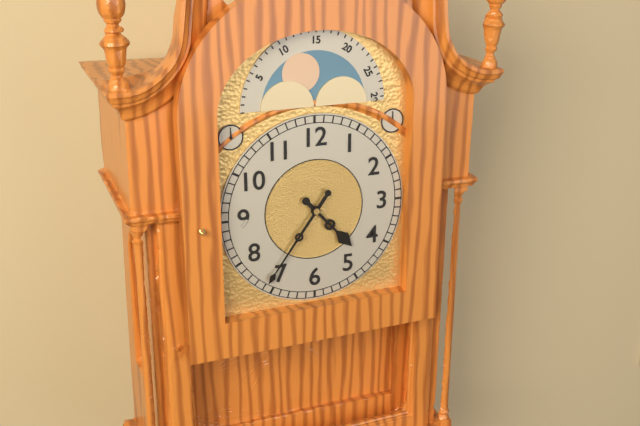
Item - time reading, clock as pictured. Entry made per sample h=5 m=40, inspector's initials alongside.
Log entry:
h=4 m=36
